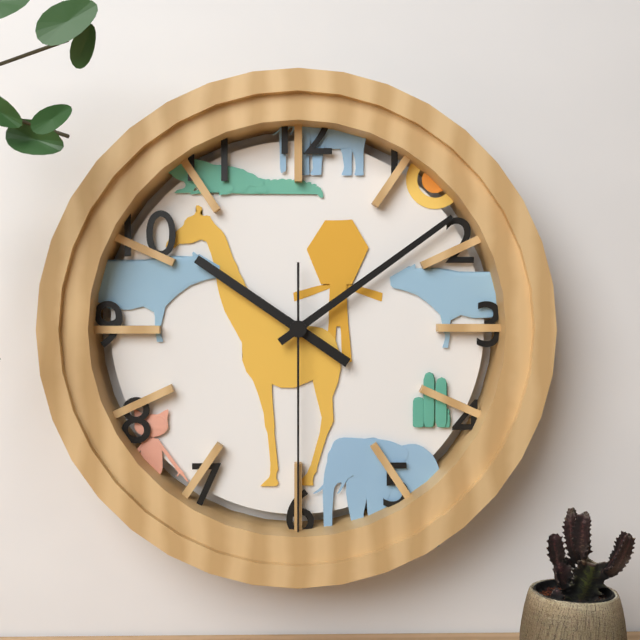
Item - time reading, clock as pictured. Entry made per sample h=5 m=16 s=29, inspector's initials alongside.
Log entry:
h=10 m=9 s=30
